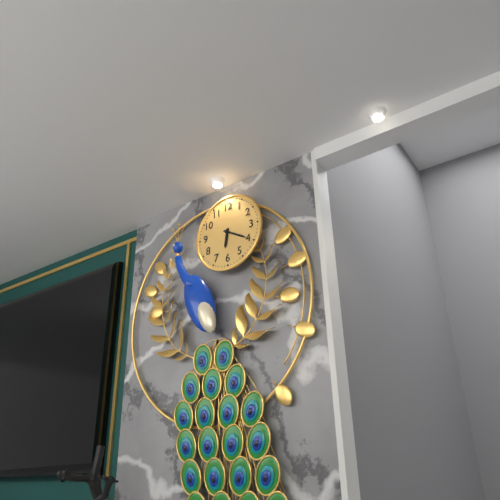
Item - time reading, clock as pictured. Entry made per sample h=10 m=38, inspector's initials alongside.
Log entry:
h=6 m=20
